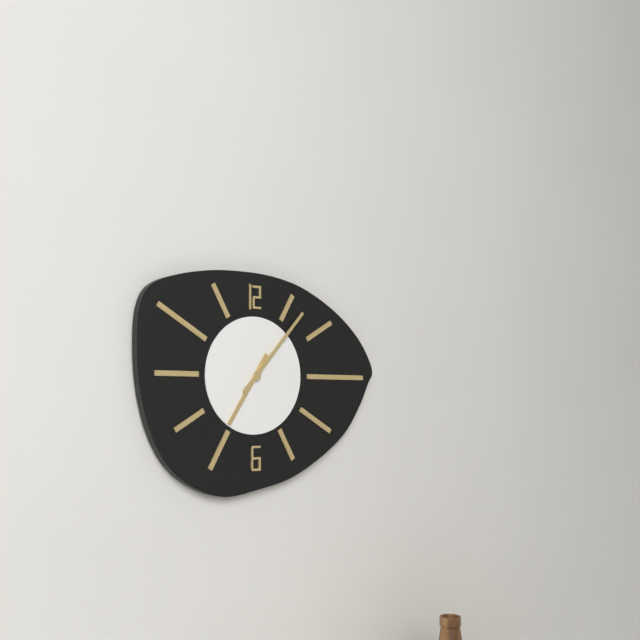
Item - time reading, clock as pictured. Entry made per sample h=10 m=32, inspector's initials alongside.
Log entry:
h=7 m=7
